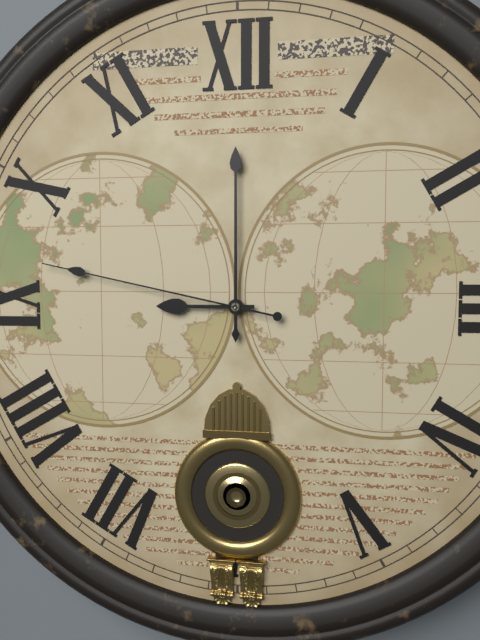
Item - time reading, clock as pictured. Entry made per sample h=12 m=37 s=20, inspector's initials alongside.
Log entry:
h=9 m=0 s=47
